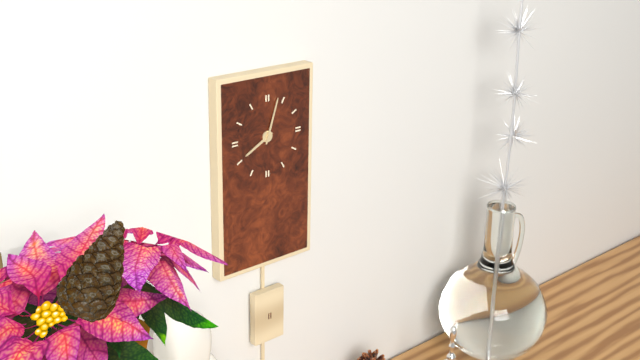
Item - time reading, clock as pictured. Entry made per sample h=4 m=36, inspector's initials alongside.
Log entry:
h=8 m=3
